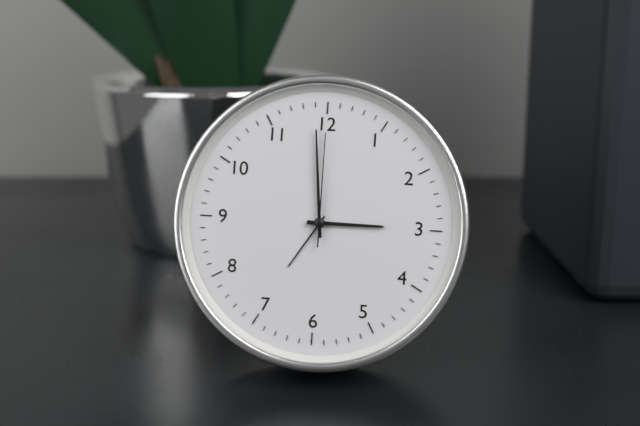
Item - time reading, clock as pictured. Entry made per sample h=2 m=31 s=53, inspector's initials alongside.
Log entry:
h=2 m=59 s=0
